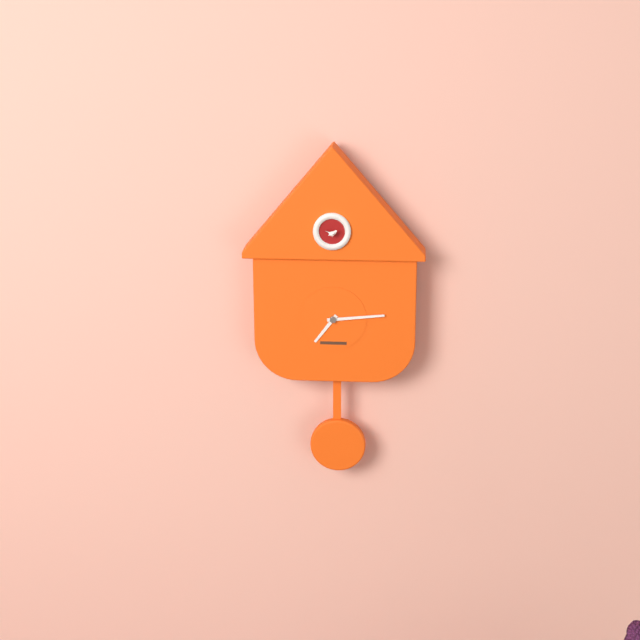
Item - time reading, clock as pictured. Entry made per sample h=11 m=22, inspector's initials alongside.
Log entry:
h=7 m=14
